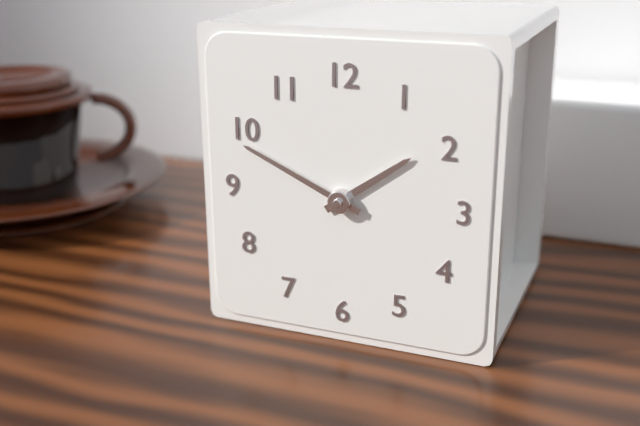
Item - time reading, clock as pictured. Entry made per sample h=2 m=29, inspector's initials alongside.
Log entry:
h=1 m=49
